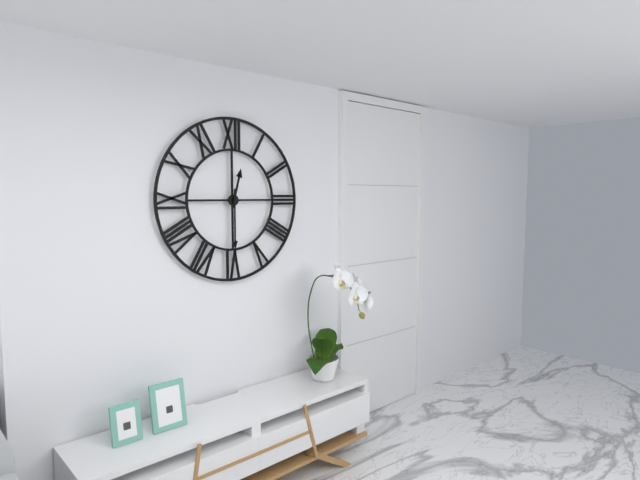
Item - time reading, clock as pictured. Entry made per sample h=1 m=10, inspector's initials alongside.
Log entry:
h=12 m=30
